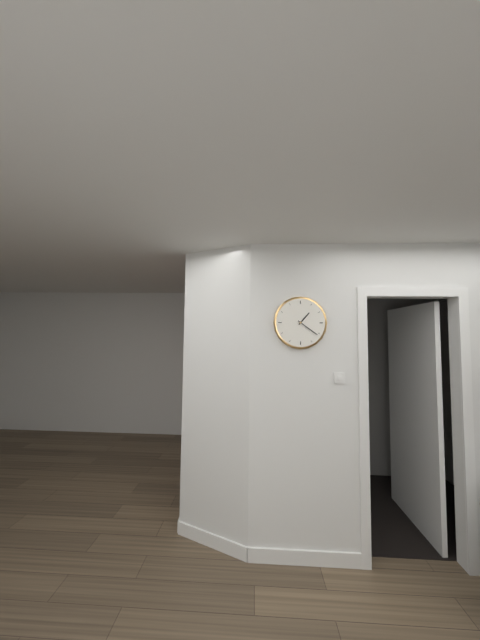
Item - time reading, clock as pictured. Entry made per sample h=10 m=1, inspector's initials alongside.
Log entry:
h=1 m=21
